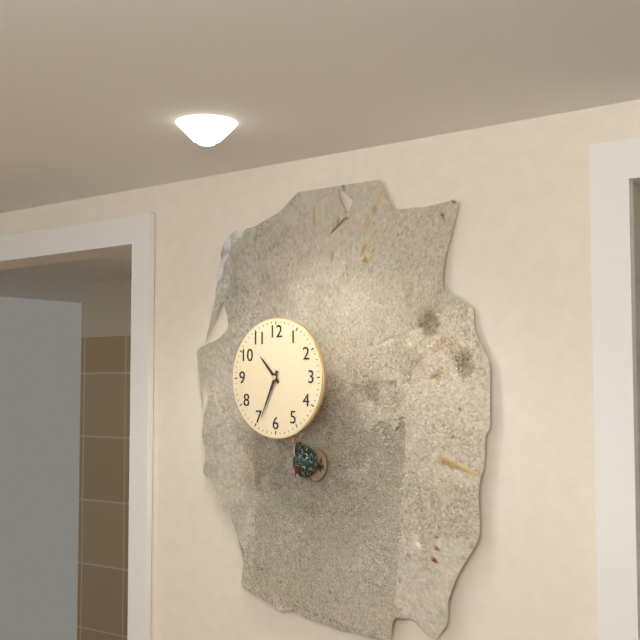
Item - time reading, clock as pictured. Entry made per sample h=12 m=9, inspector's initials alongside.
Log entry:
h=10 m=34
